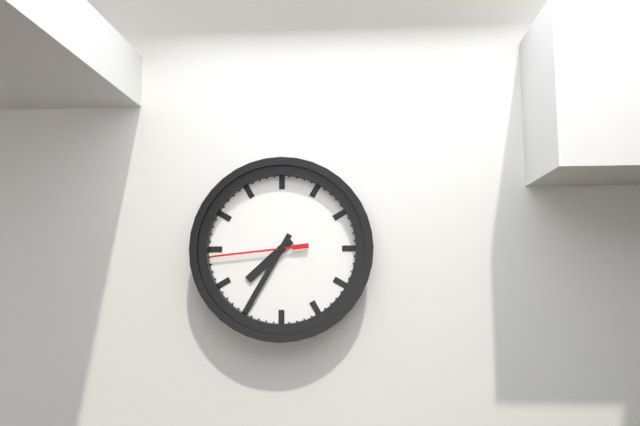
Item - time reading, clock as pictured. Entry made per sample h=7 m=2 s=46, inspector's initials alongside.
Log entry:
h=7 m=35 s=44
